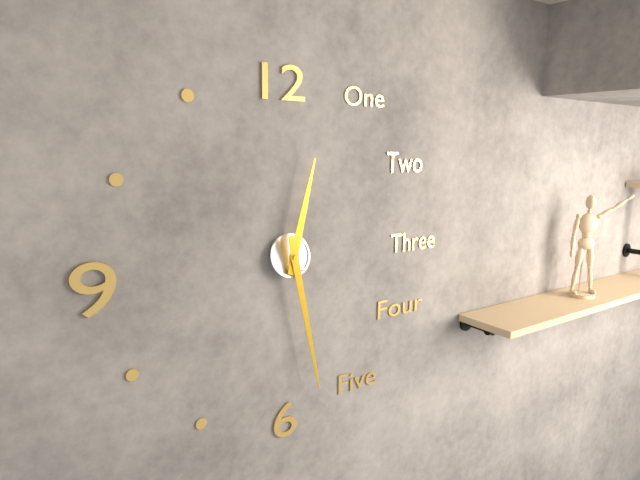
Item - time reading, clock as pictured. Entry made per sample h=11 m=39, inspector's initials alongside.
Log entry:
h=12 m=28
